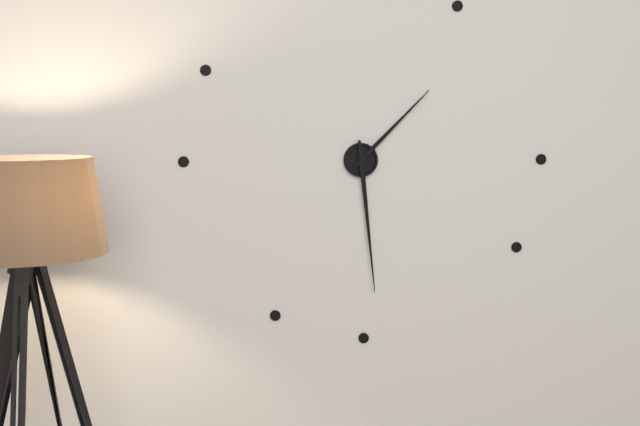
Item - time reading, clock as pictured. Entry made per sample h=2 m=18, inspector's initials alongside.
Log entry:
h=1 m=29
